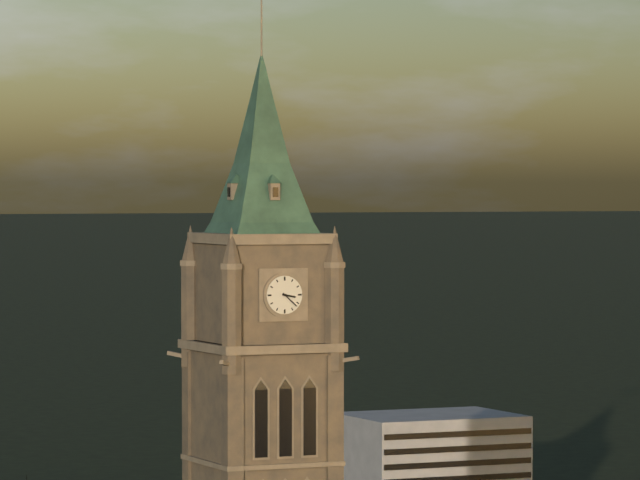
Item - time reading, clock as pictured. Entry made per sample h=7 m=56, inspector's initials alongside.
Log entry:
h=3 m=22
